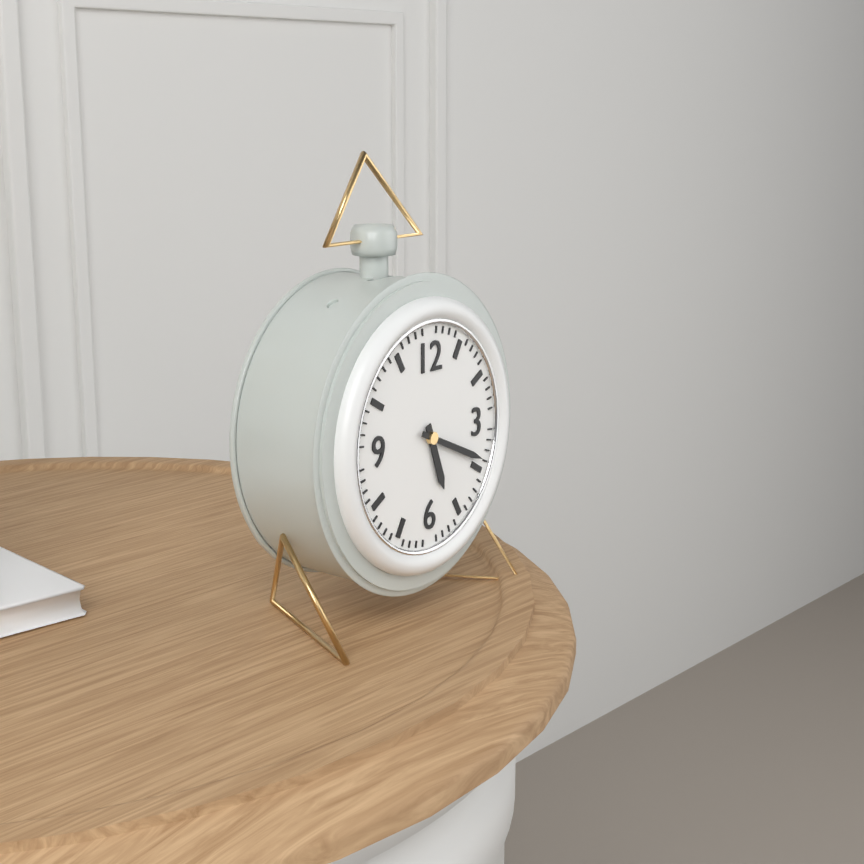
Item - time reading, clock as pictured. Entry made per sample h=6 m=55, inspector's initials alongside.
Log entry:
h=5 m=19
